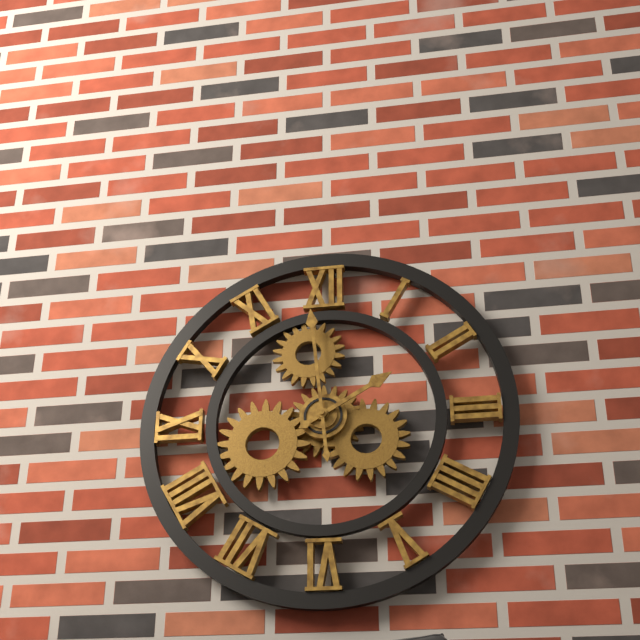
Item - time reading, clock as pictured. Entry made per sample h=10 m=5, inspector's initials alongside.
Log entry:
h=1 m=59
